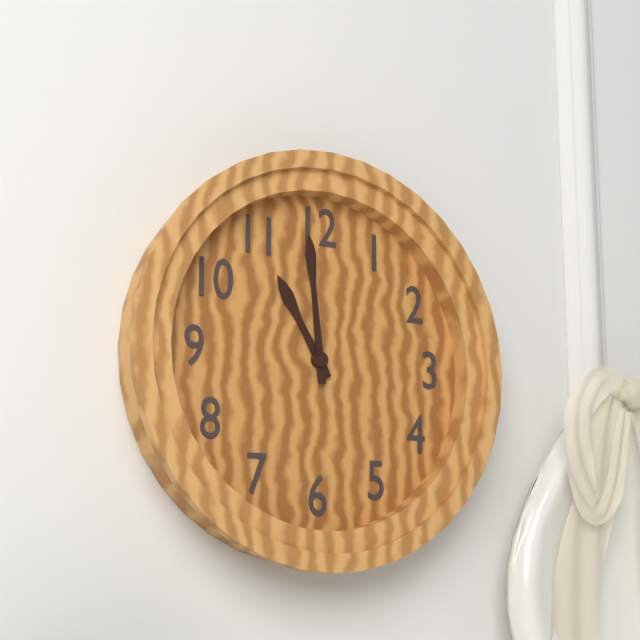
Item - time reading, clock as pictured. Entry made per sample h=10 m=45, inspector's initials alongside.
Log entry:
h=10 m=59
